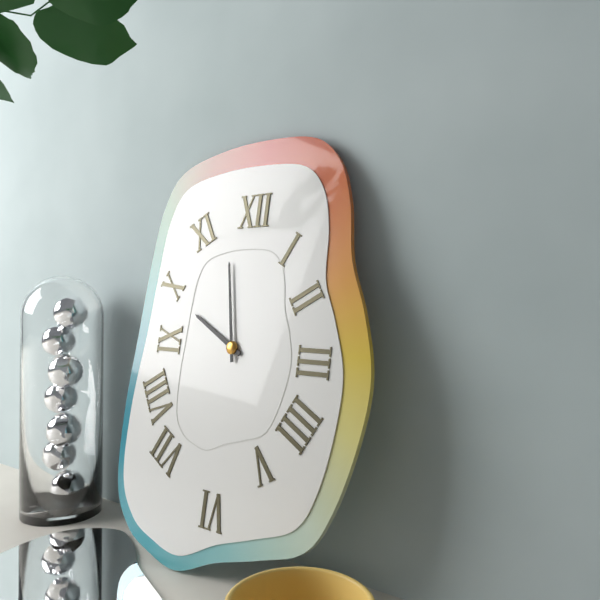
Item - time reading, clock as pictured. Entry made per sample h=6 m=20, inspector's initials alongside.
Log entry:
h=9 m=58
